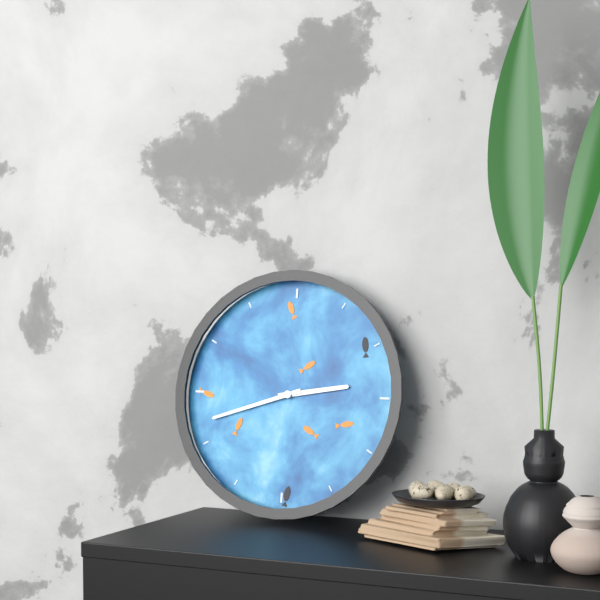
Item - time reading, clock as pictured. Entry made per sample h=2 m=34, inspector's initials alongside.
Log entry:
h=2 m=42
